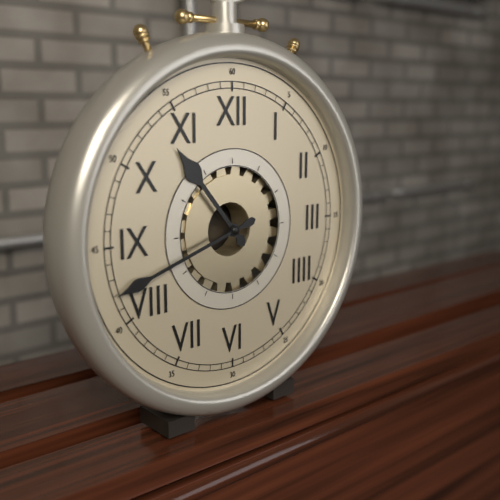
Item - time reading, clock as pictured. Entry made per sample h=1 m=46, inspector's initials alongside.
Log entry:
h=10 m=42
